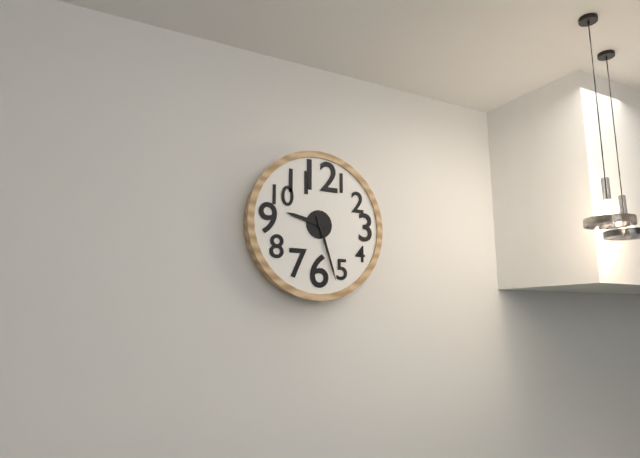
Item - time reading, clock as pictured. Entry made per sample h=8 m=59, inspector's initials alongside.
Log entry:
h=9 m=27
